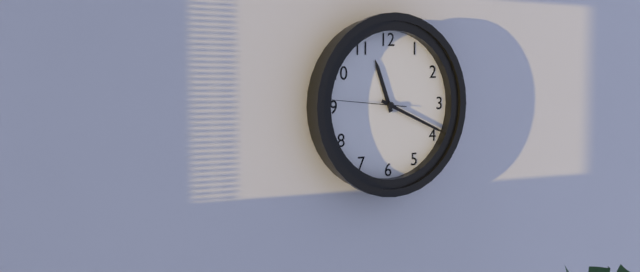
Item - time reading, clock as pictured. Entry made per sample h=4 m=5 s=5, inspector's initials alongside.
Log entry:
h=11 m=19 s=46
